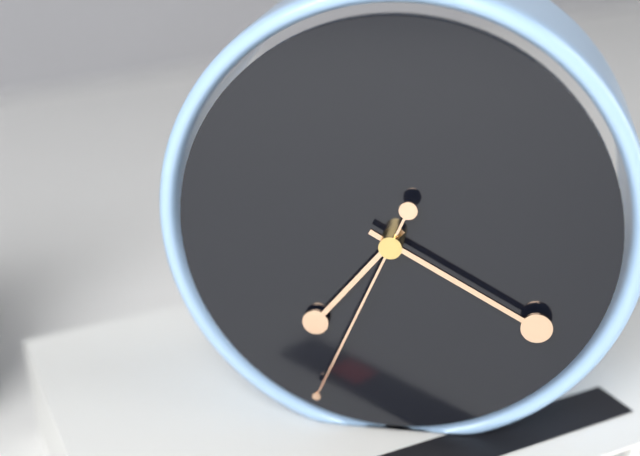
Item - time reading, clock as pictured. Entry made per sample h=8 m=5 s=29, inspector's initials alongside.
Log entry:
h=7 m=20 s=34
